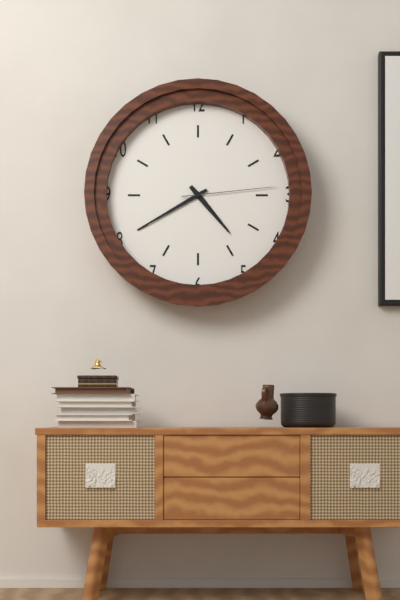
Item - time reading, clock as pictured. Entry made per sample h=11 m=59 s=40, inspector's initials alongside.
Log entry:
h=4 m=40 s=14
